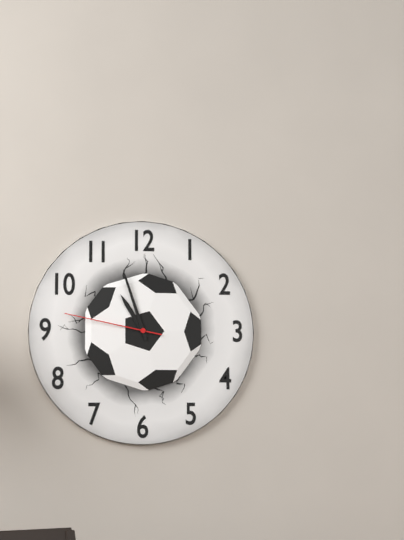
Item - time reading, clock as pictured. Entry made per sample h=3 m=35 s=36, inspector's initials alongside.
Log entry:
h=10 m=57 s=47
